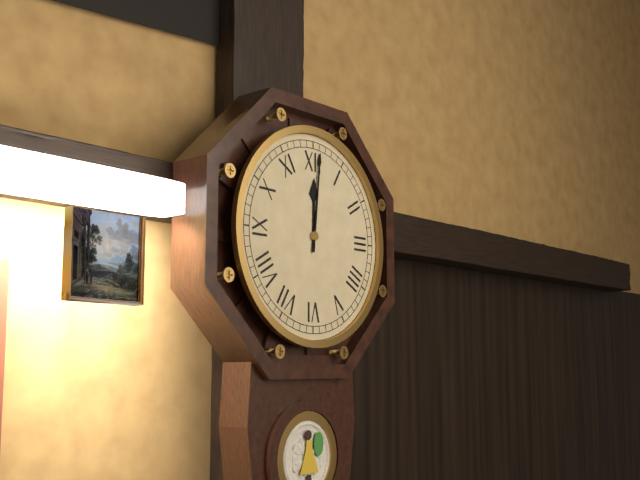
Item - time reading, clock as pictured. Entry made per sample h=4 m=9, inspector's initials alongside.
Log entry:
h=12 m=1
